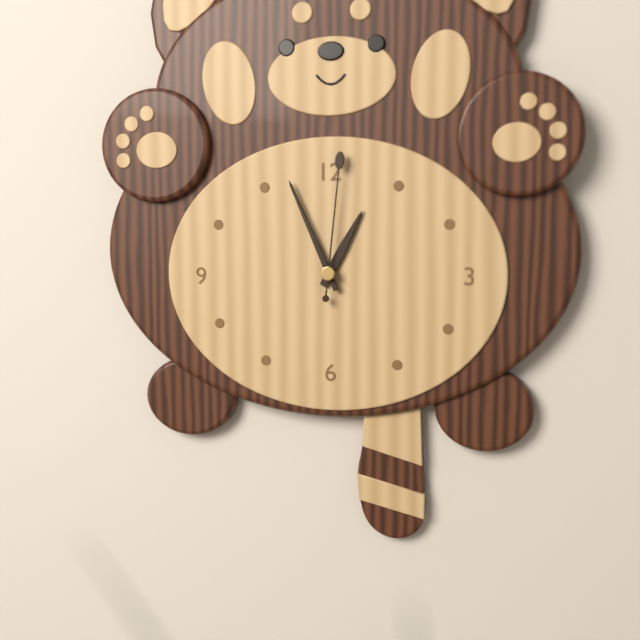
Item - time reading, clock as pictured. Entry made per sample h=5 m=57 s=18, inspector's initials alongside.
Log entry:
h=12 m=56 s=1
